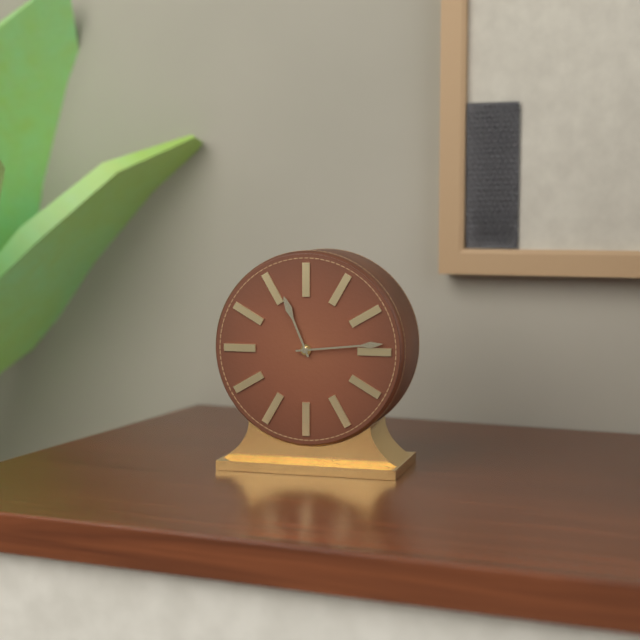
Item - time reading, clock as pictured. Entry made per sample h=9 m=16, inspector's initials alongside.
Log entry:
h=11 m=14
